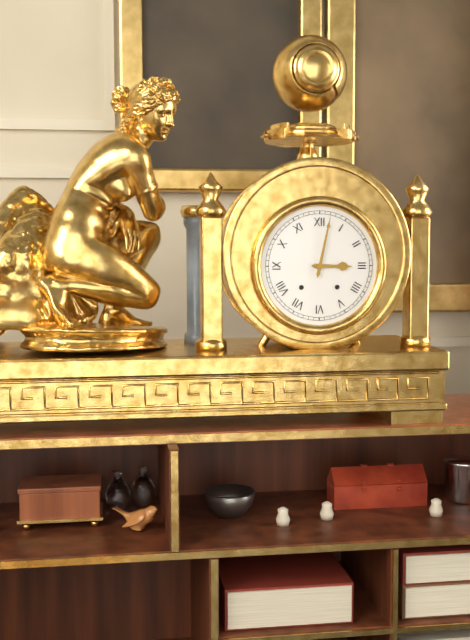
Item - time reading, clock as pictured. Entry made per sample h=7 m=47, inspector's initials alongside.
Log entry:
h=3 m=2
